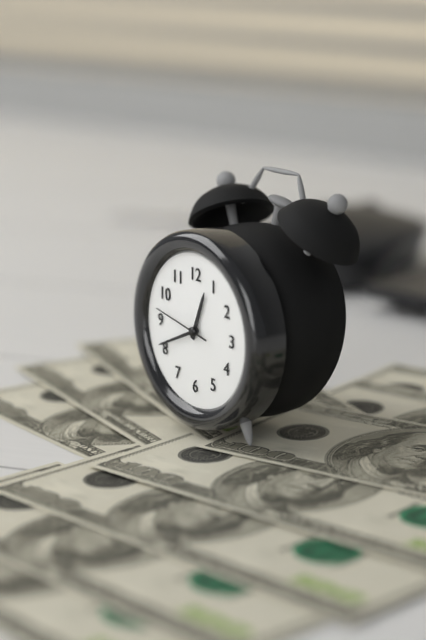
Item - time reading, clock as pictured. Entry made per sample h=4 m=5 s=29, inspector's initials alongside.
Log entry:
h=12 m=41 s=47
